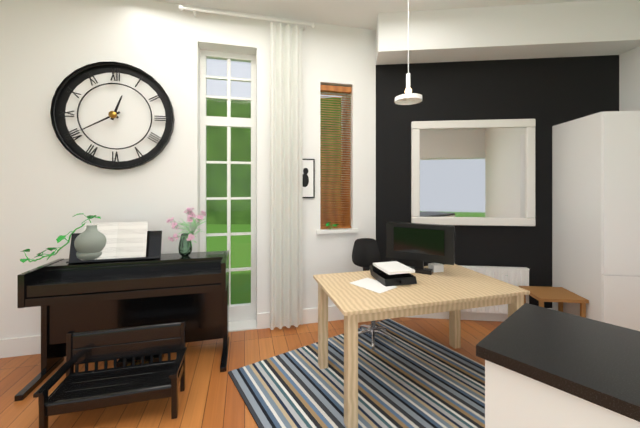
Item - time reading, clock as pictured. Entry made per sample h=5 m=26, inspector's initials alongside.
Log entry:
h=12 m=40
